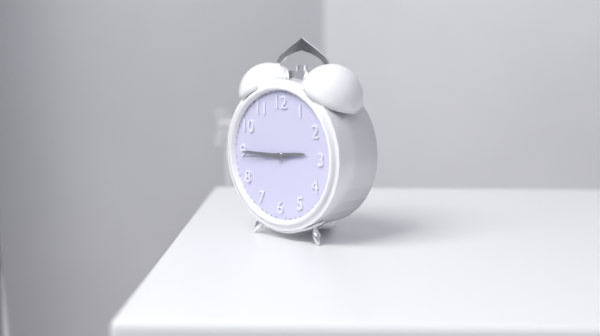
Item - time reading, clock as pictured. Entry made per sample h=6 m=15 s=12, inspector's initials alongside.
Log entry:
h=2 m=45 s=44
